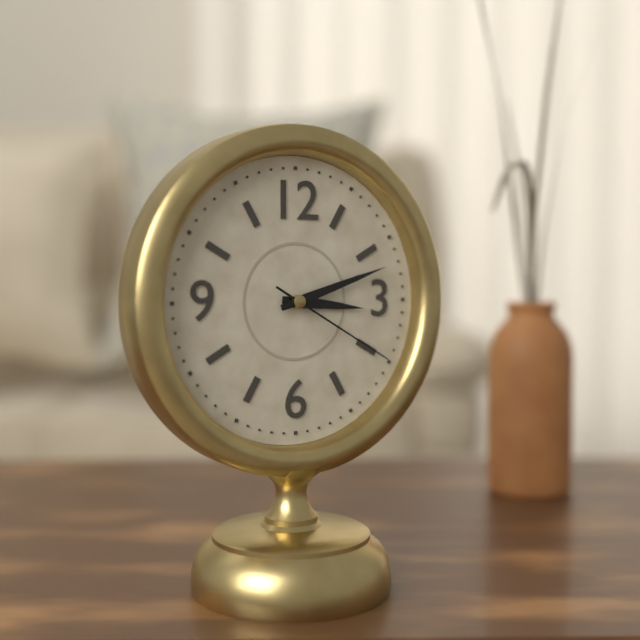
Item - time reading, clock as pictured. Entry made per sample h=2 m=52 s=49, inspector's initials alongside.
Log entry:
h=3 m=12 s=20
